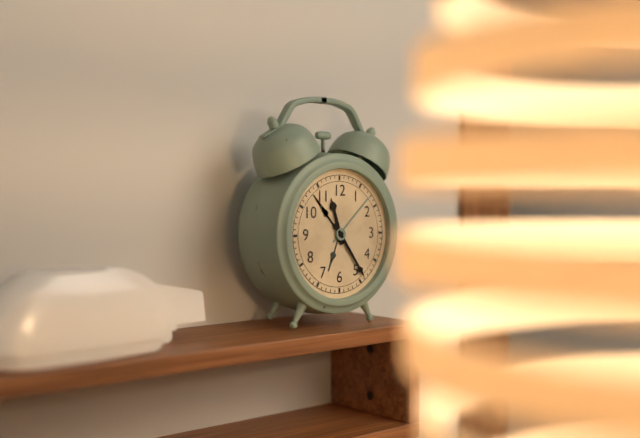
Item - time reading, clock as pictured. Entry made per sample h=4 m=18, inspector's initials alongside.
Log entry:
h=11 m=24
